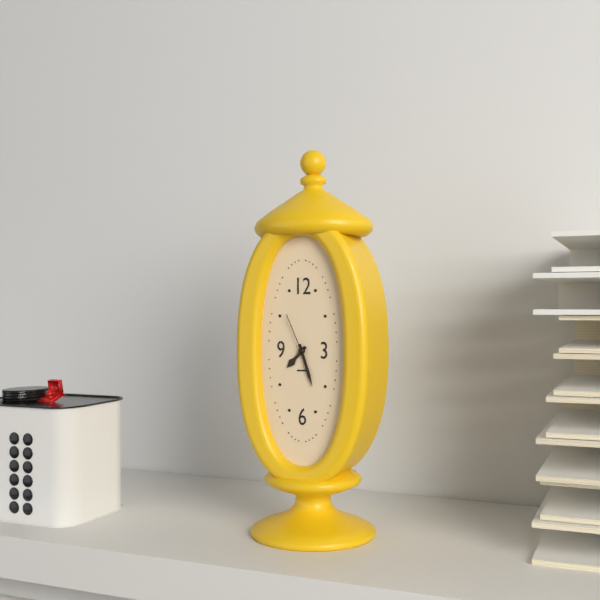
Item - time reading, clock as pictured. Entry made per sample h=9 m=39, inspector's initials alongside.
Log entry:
h=7 m=27
